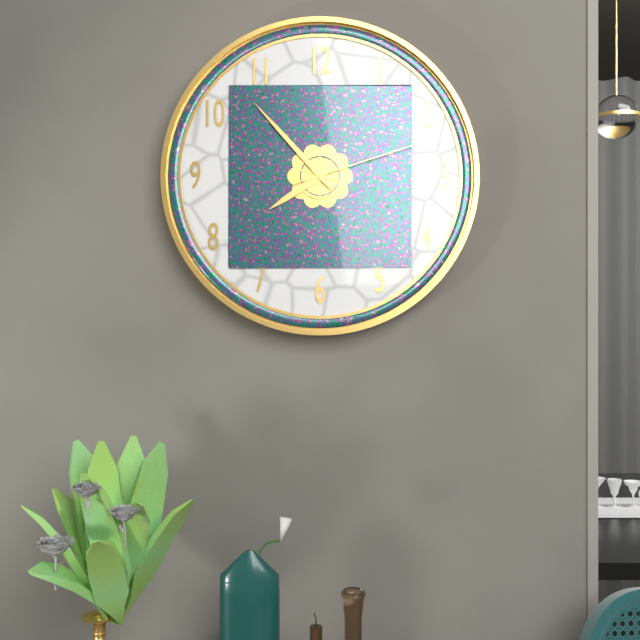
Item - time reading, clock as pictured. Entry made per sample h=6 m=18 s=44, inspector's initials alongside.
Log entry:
h=7 m=53 s=12
